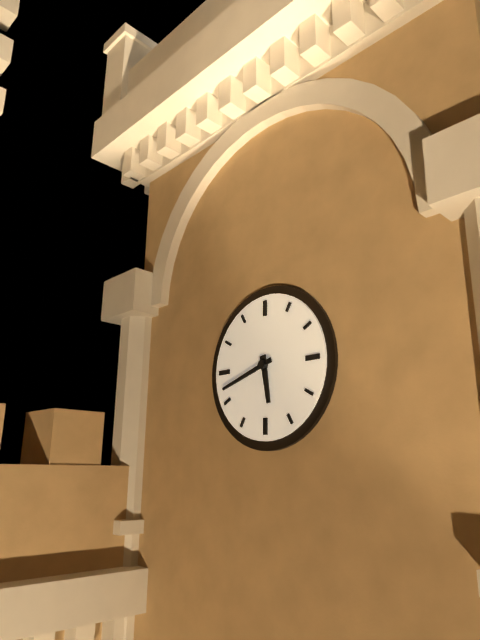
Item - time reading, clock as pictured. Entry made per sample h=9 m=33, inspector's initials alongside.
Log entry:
h=5 m=42
